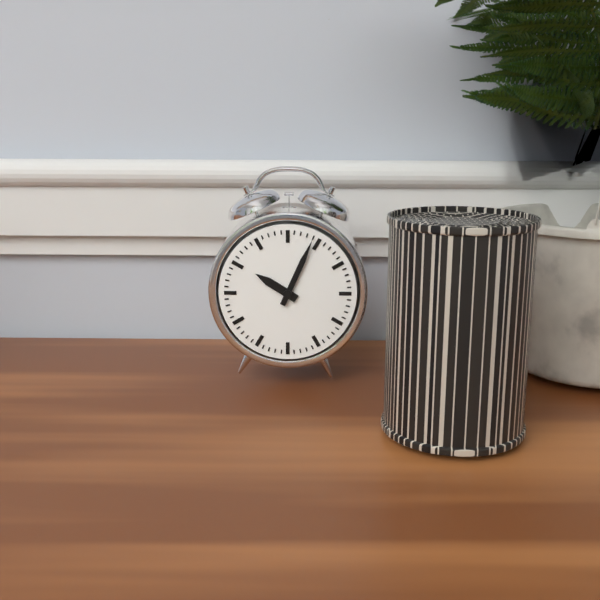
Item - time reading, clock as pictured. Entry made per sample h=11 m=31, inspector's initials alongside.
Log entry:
h=10 m=4
